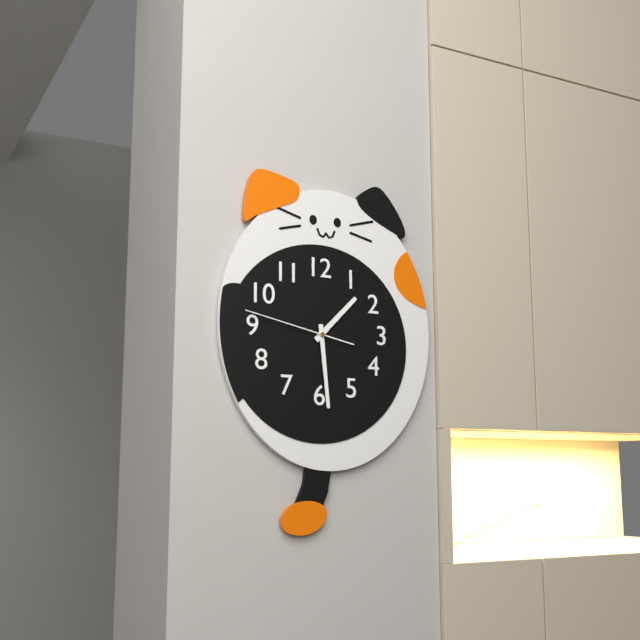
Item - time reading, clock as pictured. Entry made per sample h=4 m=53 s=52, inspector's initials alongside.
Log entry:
h=1 m=29 s=47
